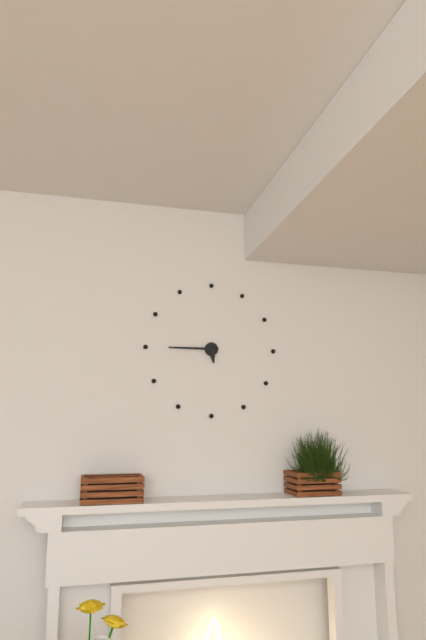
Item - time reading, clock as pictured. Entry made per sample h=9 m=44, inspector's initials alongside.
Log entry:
h=5 m=45
